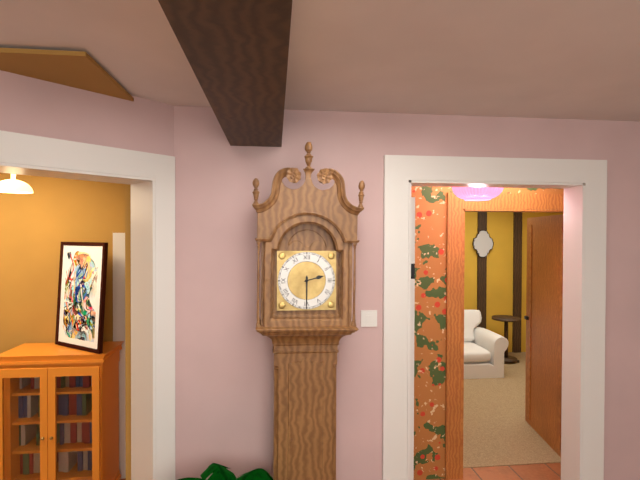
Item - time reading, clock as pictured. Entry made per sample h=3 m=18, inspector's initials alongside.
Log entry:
h=2 m=30
